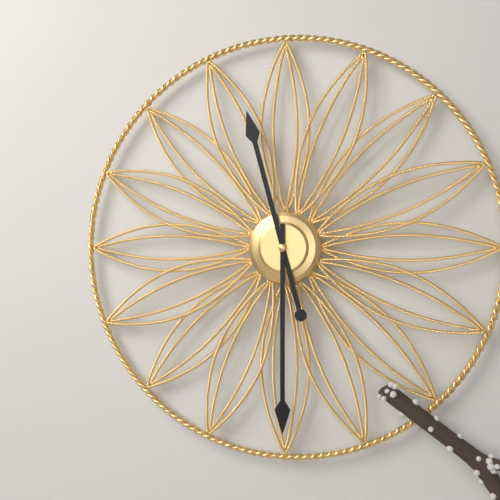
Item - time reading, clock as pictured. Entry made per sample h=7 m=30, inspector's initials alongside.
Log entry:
h=11 m=30
